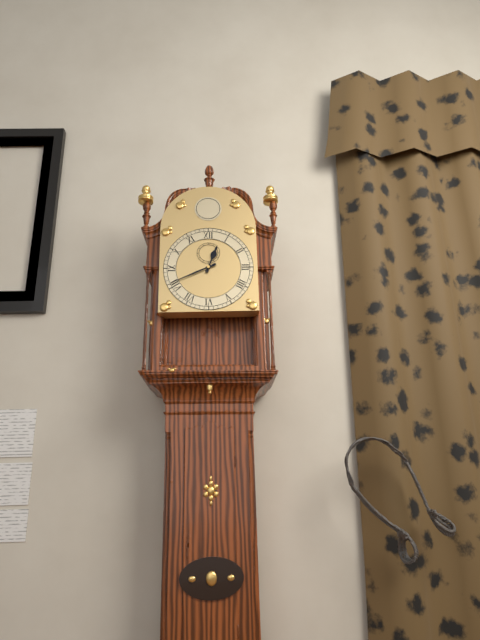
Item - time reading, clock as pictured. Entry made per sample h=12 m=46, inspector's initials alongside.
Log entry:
h=12 m=41
